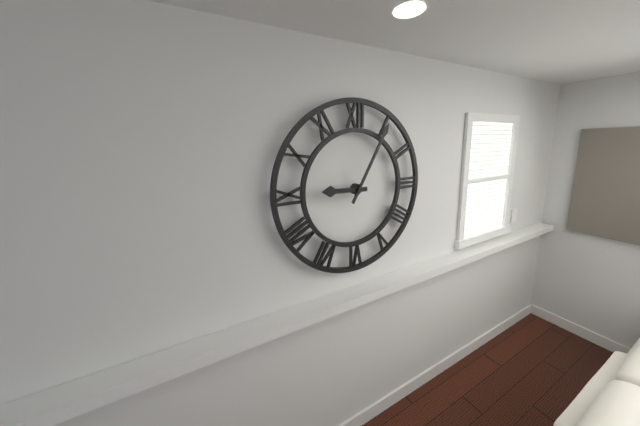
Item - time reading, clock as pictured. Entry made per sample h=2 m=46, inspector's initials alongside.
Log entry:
h=9 m=5
